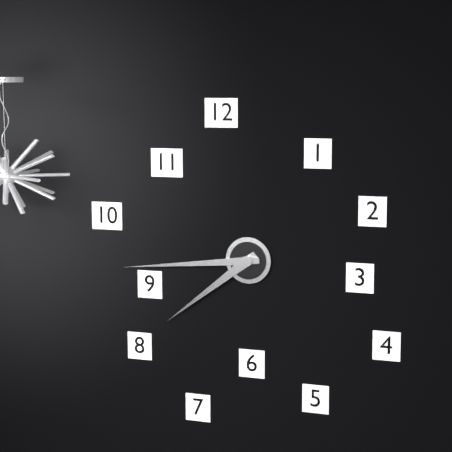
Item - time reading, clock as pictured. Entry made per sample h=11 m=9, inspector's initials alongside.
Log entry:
h=7 m=44
